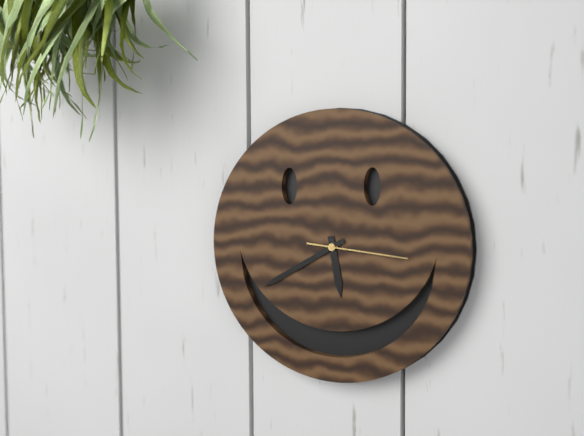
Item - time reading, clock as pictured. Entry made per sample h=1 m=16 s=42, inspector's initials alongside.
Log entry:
h=5 m=40 s=16
